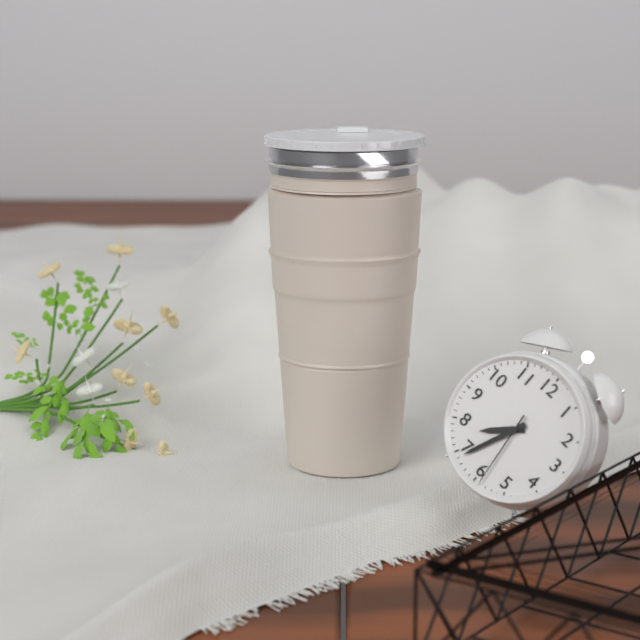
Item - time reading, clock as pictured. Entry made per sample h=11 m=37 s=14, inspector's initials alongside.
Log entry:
h=7 m=34 s=29
